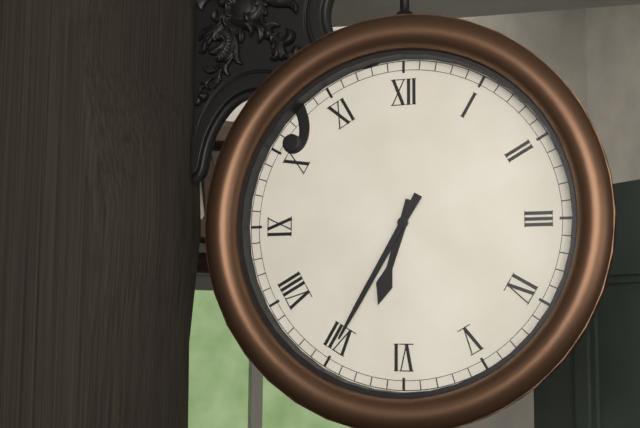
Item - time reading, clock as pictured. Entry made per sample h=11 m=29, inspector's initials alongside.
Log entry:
h=6 m=35
